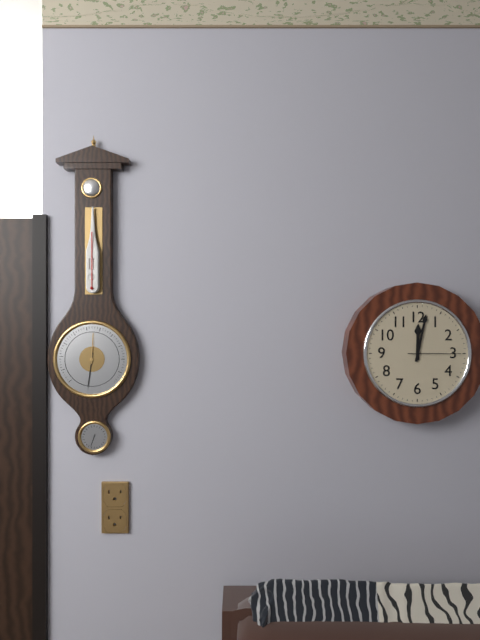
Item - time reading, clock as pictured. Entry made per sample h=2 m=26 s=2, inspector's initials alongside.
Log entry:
h=12 m=2 s=15
